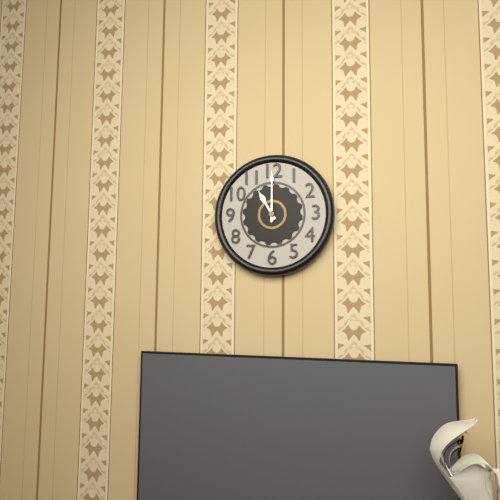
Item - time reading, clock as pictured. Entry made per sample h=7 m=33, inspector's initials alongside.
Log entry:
h=11 m=0
